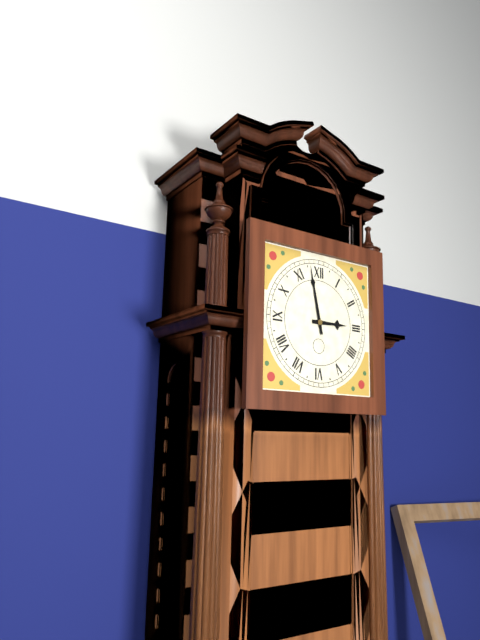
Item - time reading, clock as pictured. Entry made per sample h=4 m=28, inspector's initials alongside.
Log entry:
h=2 m=58
